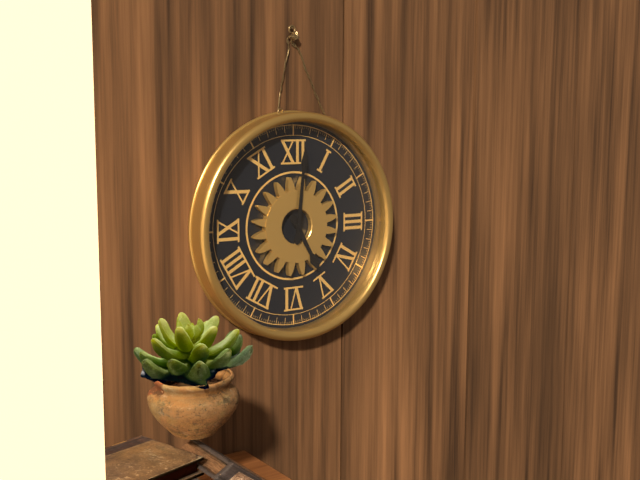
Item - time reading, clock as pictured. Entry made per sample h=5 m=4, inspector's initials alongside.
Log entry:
h=5 m=1
